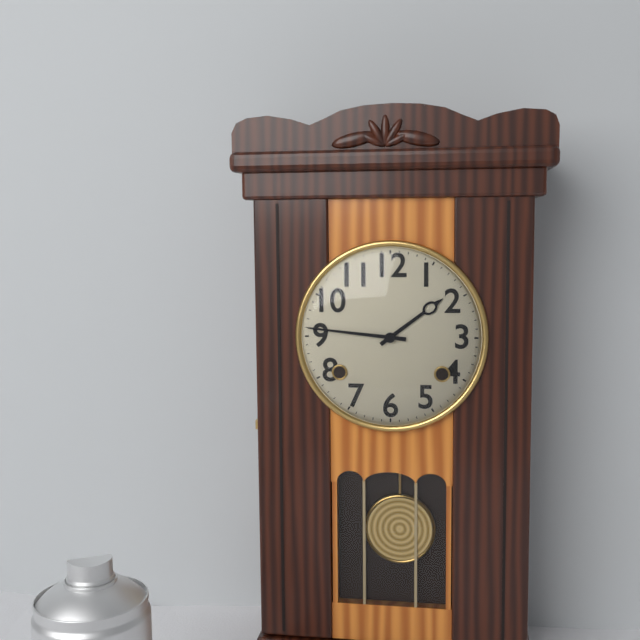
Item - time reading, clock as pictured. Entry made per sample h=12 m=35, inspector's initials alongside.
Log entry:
h=1 m=46
